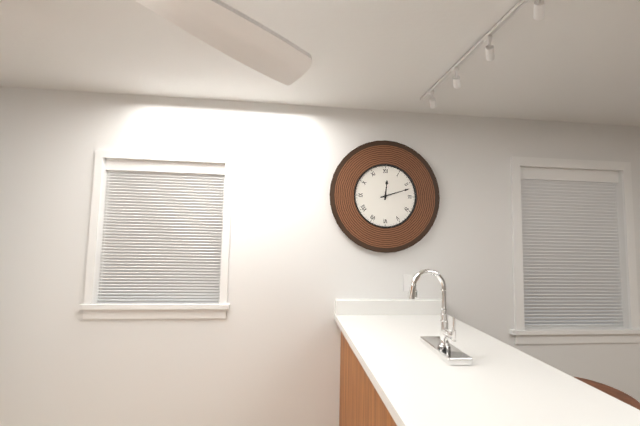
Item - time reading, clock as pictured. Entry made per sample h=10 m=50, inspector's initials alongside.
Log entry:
h=12 m=12
